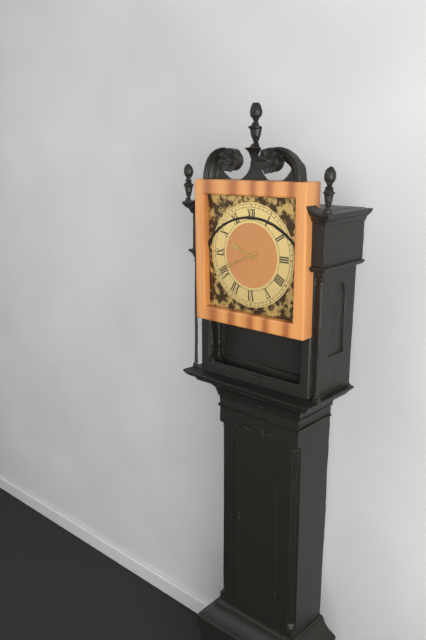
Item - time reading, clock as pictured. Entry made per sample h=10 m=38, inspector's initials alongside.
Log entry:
h=9 m=41
